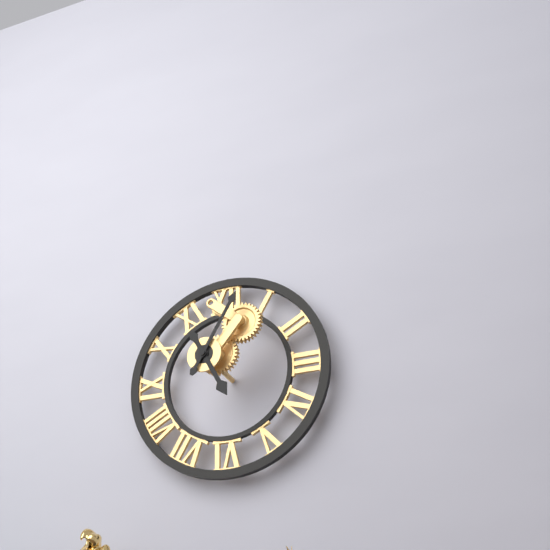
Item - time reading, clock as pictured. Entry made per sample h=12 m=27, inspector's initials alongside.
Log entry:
h=5 m=5
